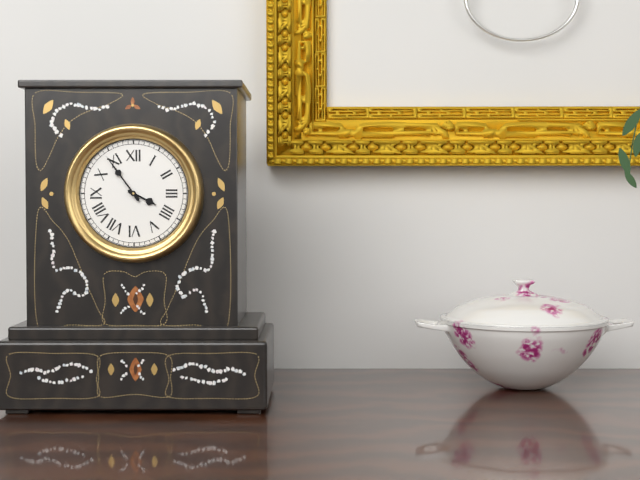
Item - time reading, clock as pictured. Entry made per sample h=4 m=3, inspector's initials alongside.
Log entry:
h=3 m=54
